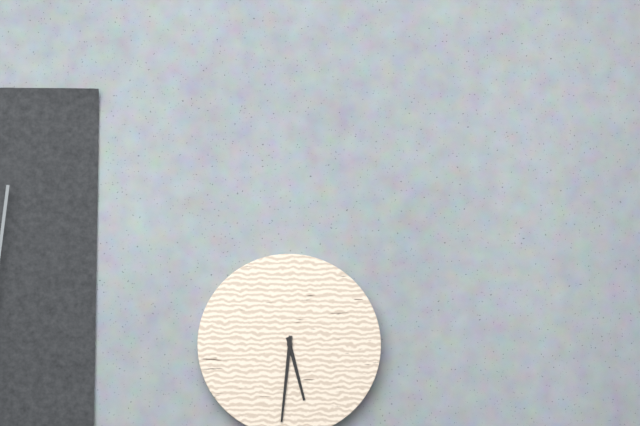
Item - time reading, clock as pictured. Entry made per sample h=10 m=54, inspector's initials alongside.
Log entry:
h=5 m=31
